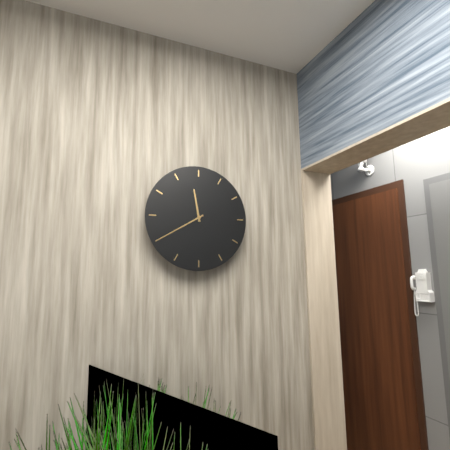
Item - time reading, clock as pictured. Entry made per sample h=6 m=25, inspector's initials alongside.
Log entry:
h=11 m=40
